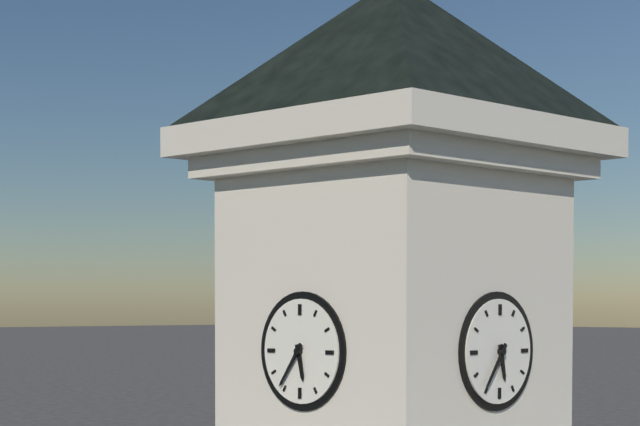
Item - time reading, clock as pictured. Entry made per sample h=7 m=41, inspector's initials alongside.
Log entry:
h=5 m=36
